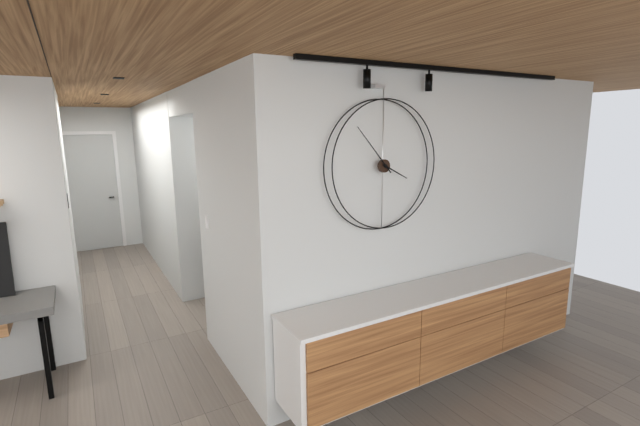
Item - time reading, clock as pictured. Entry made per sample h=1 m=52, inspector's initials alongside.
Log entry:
h=3 m=53
